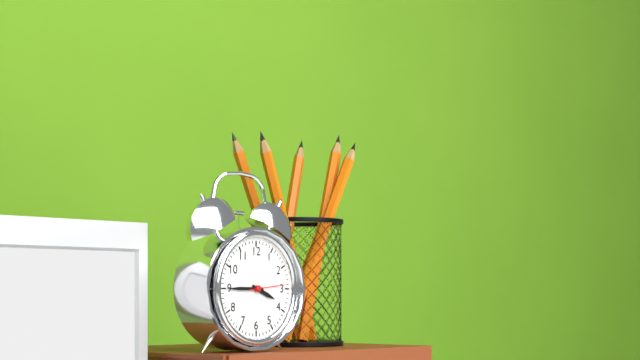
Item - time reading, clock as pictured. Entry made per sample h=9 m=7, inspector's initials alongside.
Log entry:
h=3 m=45
